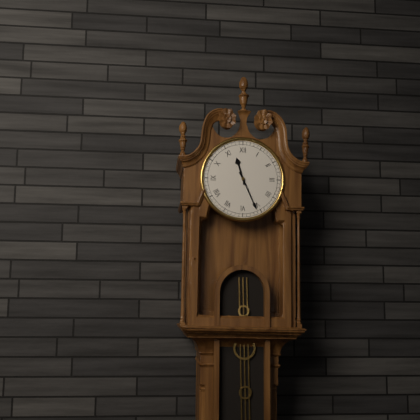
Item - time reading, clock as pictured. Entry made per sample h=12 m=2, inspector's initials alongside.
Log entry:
h=11 m=26
